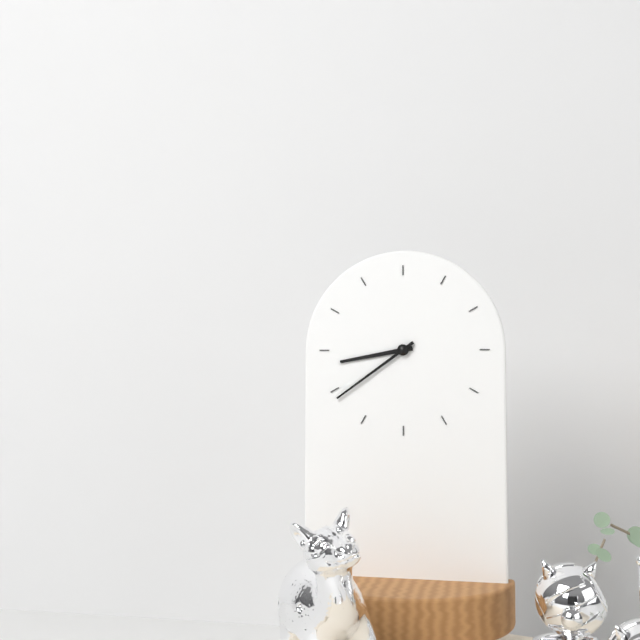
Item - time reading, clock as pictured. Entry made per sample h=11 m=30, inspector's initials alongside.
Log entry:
h=8 m=39
